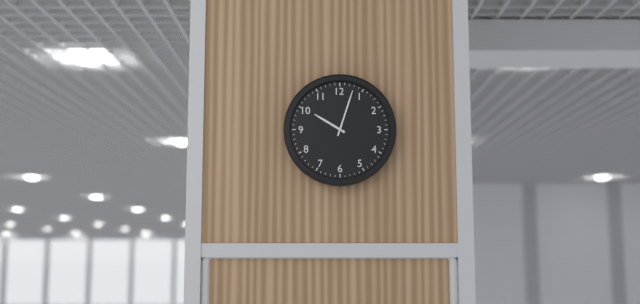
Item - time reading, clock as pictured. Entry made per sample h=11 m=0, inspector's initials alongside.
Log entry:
h=10 m=3
